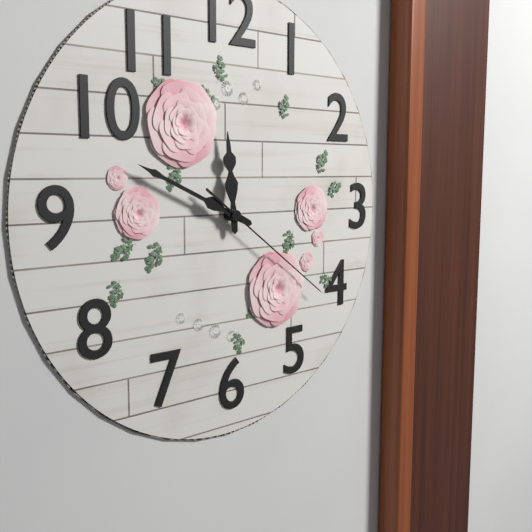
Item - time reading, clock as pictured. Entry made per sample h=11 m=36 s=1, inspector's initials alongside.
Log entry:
h=11 m=49 s=21
